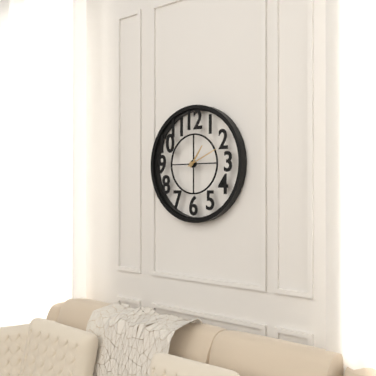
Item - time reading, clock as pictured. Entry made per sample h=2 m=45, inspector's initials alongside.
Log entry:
h=1 m=11
